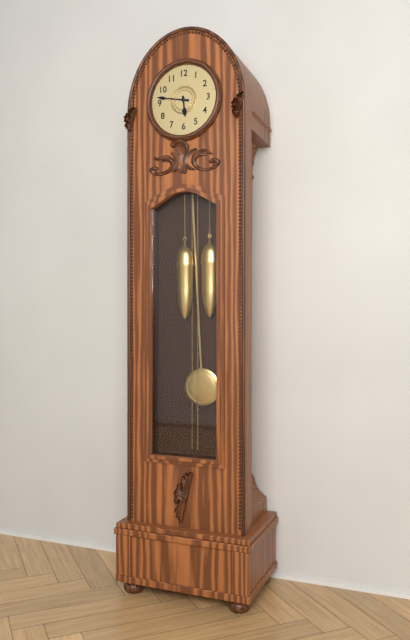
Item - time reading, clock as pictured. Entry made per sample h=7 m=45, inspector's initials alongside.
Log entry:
h=5 m=47
